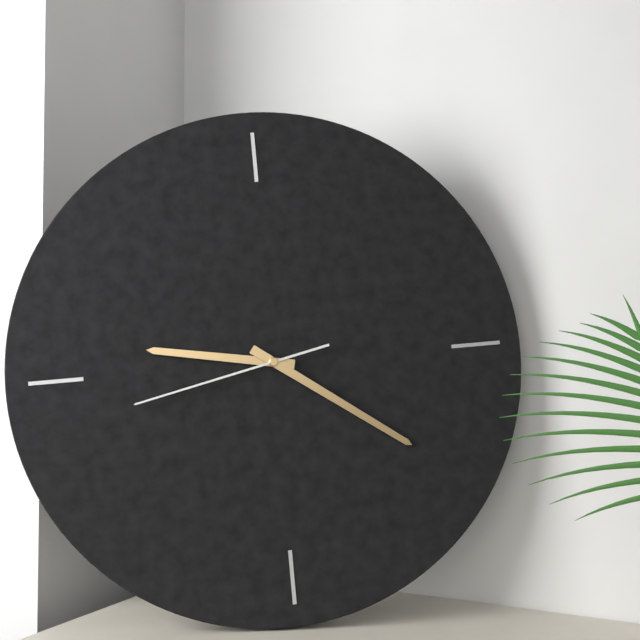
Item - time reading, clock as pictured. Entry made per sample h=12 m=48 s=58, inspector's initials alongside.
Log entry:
h=9 m=21 s=43
